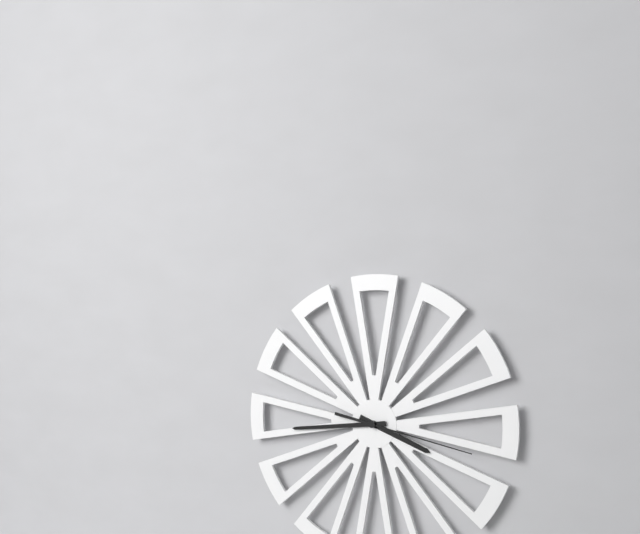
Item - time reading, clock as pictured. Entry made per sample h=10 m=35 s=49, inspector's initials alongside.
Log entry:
h=3 m=44 s=17
